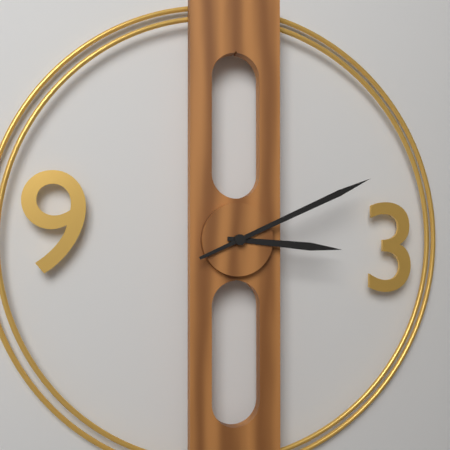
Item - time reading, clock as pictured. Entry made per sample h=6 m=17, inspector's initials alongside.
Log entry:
h=3 m=11
